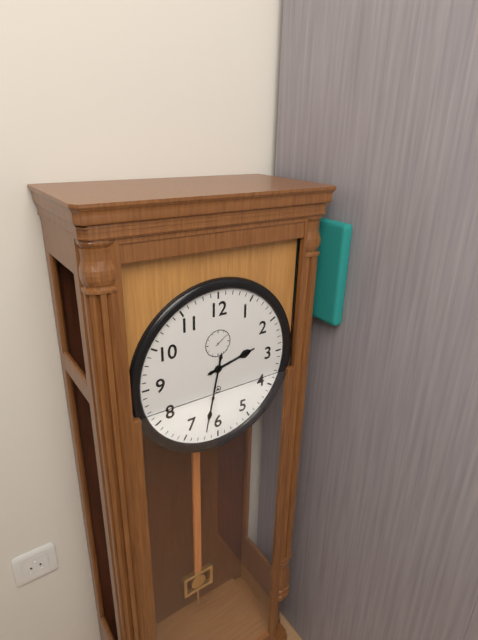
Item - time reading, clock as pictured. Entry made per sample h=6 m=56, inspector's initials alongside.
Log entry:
h=2 m=32
